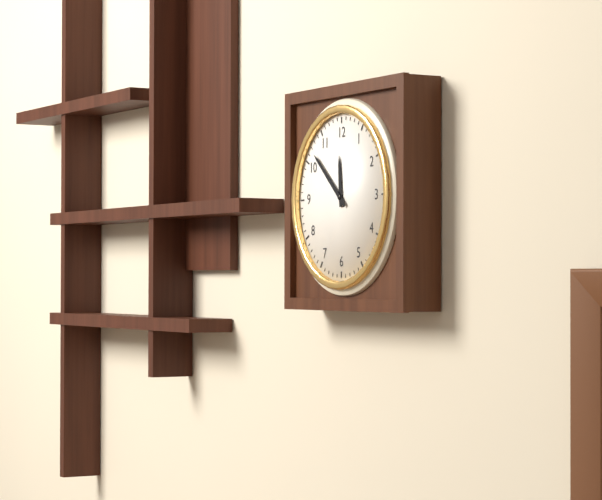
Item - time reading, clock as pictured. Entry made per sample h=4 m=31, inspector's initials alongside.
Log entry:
h=11 m=52
